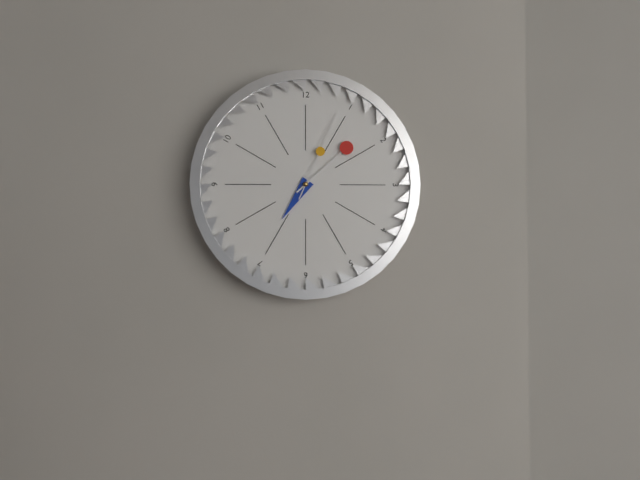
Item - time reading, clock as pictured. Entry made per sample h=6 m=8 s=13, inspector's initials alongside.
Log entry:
h=7 m=8 s=4
